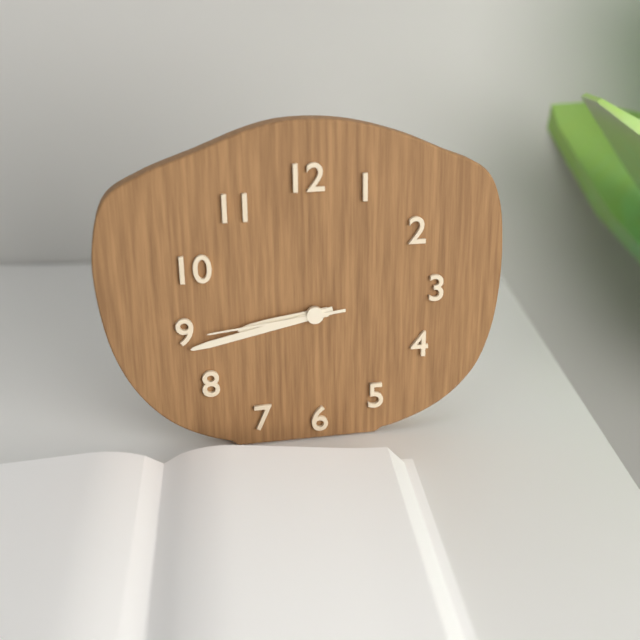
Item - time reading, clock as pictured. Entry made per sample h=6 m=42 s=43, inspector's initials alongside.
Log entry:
h=8 m=43 s=44
